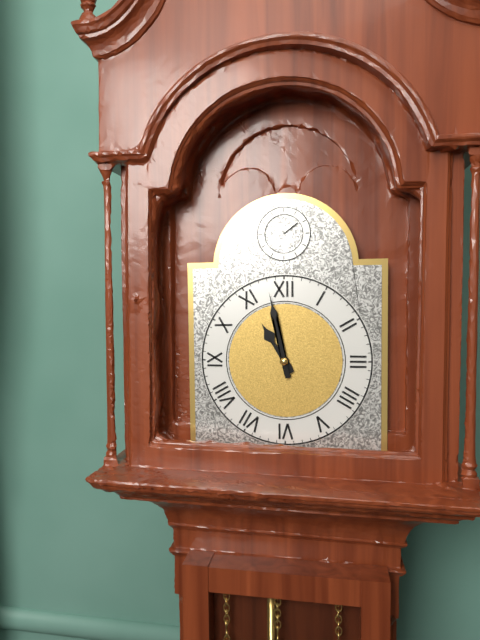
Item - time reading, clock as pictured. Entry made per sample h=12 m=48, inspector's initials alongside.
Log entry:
h=10 m=58
